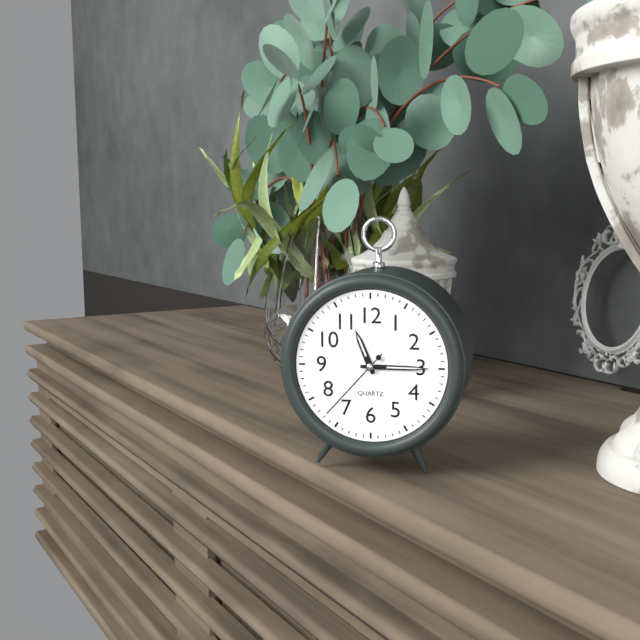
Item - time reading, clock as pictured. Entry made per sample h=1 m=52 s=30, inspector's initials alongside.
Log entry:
h=11 m=15 s=37
